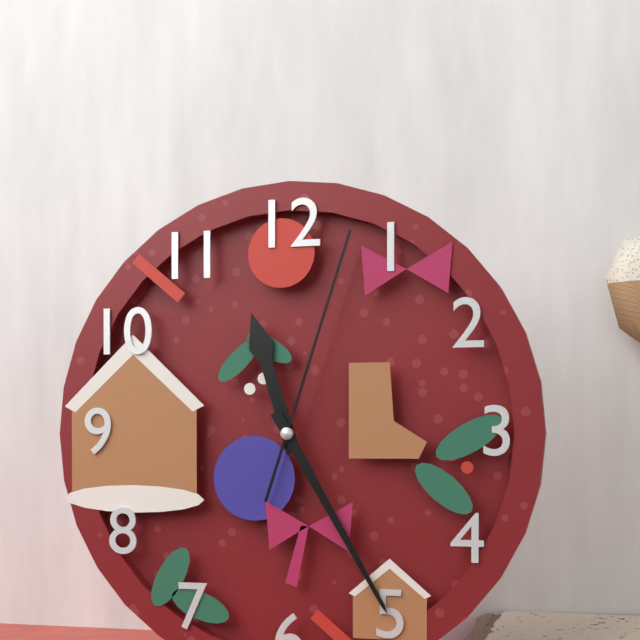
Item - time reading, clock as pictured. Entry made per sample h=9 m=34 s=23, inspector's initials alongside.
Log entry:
h=11 m=25 s=3
